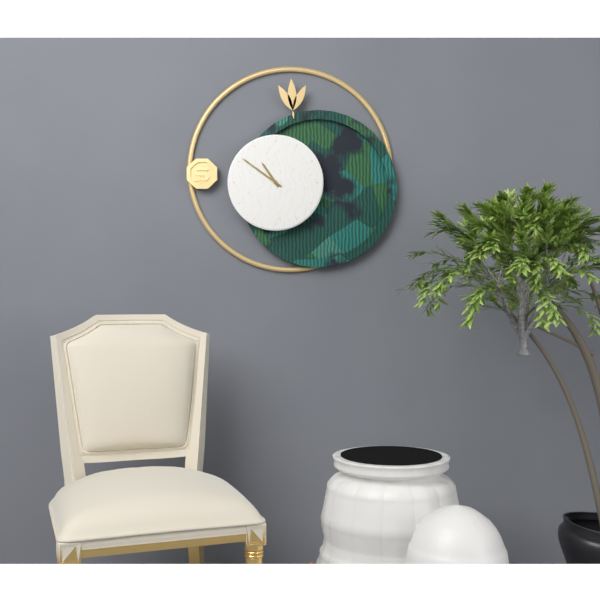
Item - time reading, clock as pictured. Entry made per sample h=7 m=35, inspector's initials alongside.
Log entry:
h=10 m=51
